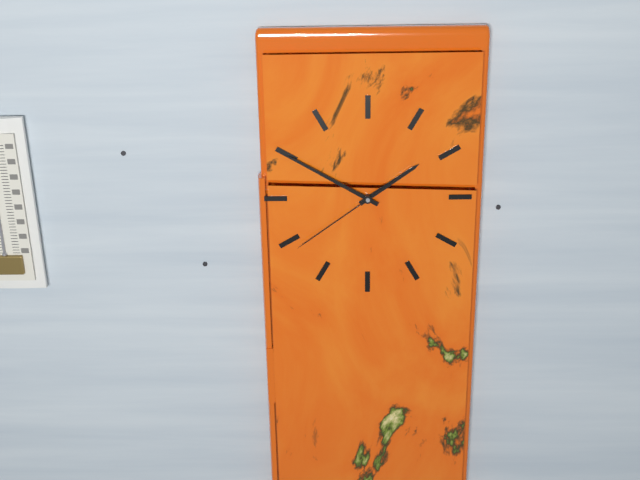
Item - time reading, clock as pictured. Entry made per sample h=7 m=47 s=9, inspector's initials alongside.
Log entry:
h=1 m=50 s=39
